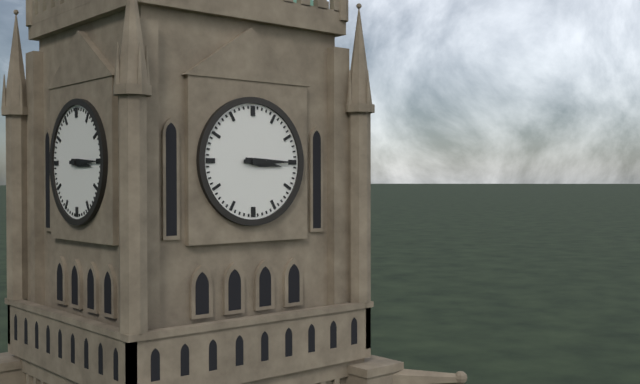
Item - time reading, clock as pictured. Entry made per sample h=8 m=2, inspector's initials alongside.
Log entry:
h=3 m=15
